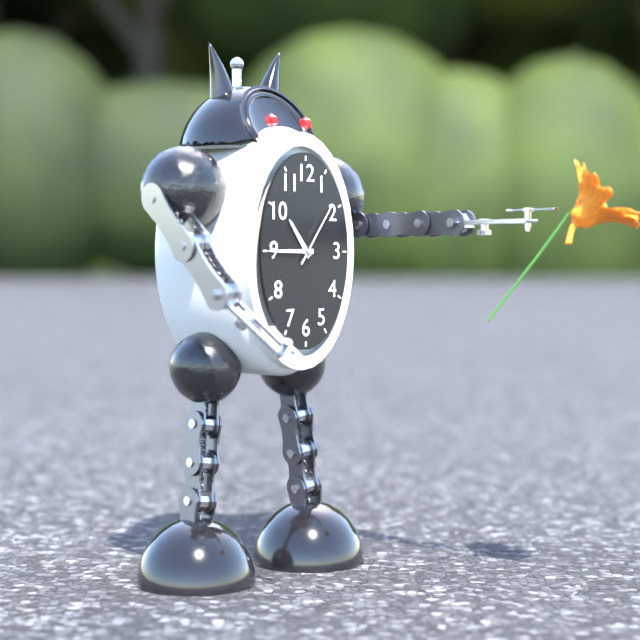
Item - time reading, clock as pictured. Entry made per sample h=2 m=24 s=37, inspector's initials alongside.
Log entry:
h=10 m=45 s=6
